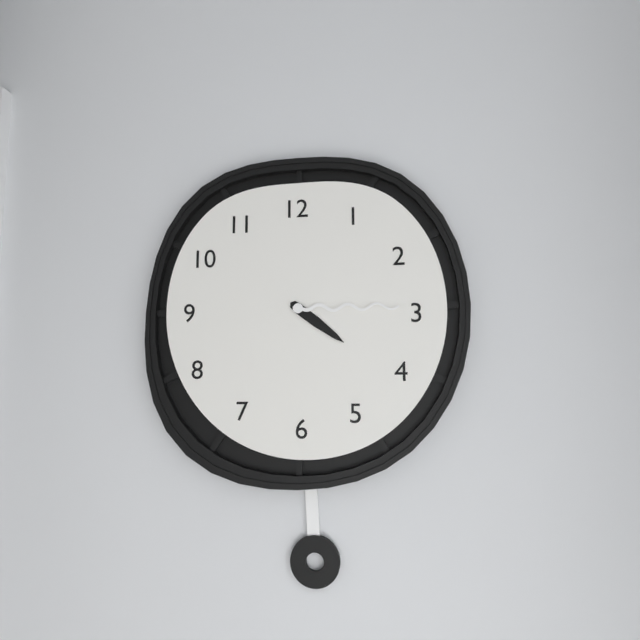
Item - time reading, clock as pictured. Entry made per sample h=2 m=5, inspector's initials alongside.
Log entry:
h=4 m=15
